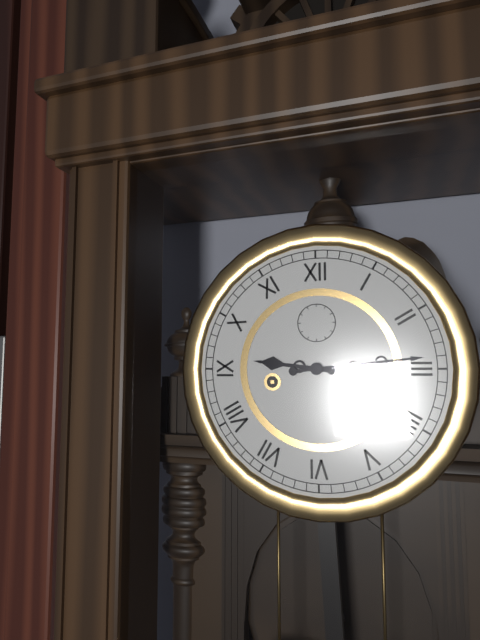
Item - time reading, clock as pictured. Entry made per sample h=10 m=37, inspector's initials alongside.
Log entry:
h=9 m=14
